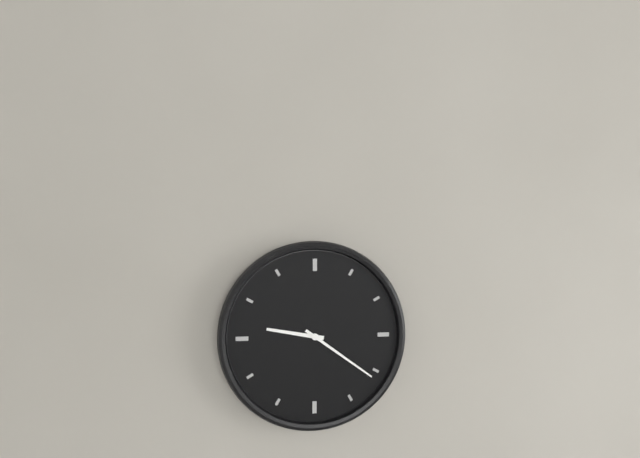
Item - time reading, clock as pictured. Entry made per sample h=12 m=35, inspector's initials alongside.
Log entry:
h=9 m=21
